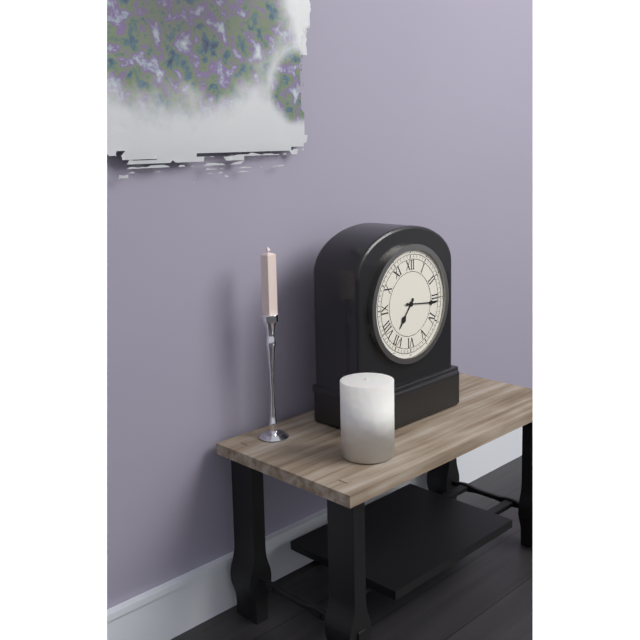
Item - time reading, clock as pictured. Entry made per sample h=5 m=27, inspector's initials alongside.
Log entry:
h=7 m=16
